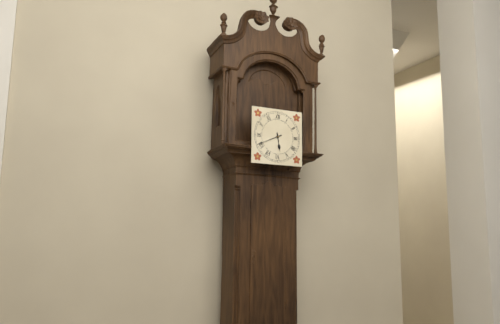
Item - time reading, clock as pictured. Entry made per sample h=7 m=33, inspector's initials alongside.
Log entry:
h=5 m=41
